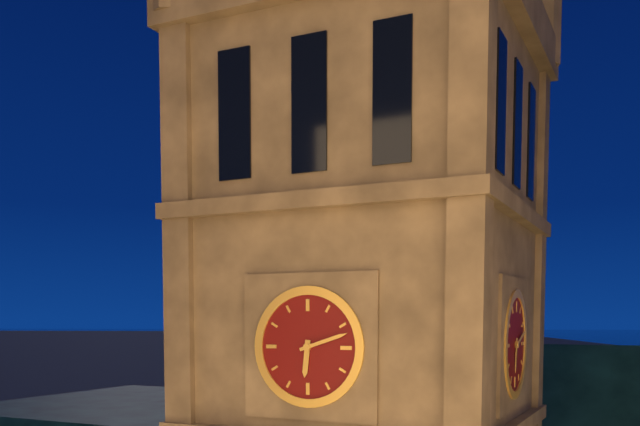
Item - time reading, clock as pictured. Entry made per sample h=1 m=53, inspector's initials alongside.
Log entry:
h=6 m=12
